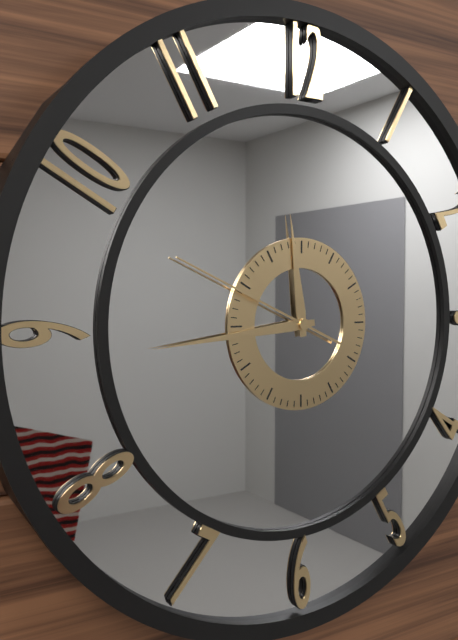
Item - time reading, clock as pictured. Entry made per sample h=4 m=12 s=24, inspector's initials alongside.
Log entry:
h=11 m=44 s=49
